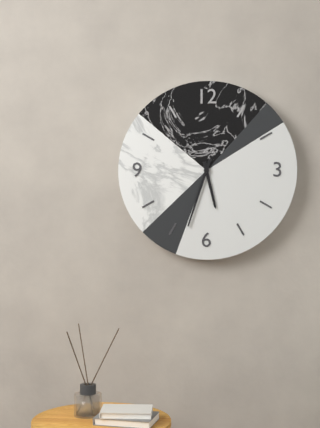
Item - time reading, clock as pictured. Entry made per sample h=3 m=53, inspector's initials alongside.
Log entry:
h=5 m=33
